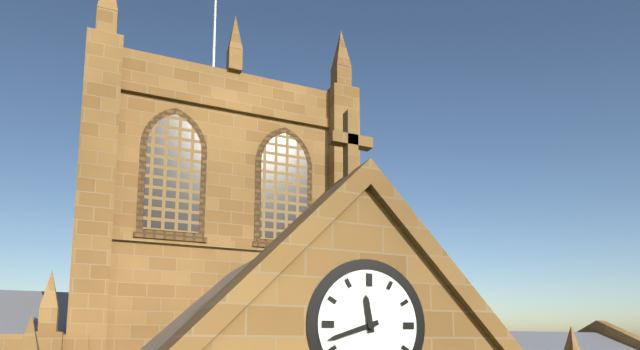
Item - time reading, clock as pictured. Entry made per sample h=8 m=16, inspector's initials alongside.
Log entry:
h=11 m=42
